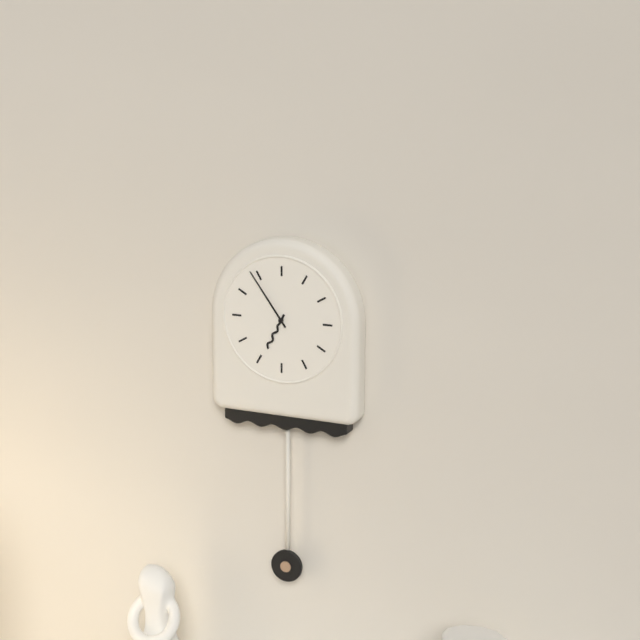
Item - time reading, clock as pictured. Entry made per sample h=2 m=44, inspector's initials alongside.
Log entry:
h=6 m=54
